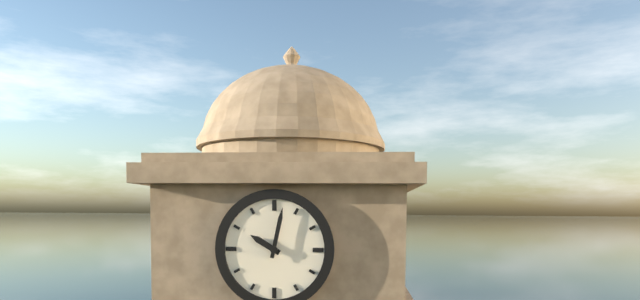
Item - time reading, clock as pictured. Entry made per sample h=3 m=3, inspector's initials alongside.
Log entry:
h=10 m=2
